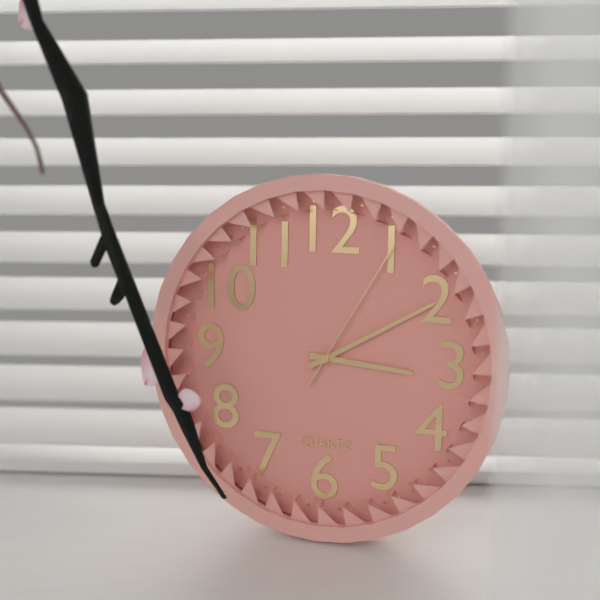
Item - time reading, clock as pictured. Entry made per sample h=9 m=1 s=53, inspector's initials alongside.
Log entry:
h=3 m=10 s=5
